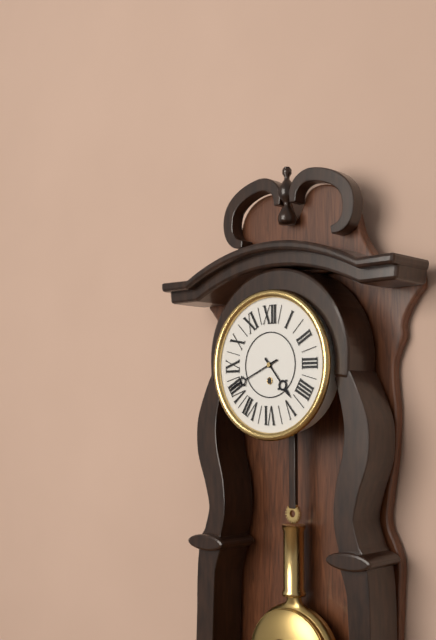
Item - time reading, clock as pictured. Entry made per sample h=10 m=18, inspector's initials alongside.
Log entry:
h=4 m=41
